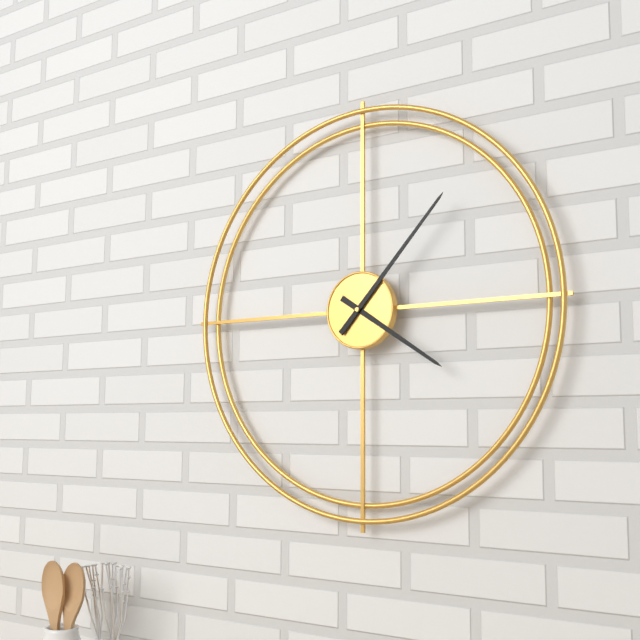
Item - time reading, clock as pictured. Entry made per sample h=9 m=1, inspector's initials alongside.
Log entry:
h=4 m=7
